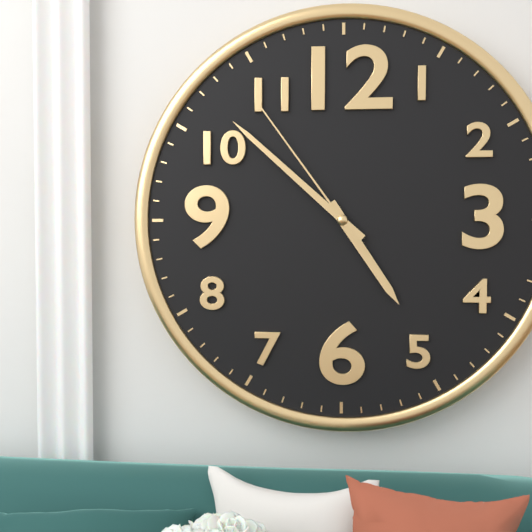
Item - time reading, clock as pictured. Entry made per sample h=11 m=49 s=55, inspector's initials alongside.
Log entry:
h=4 m=52 s=54
